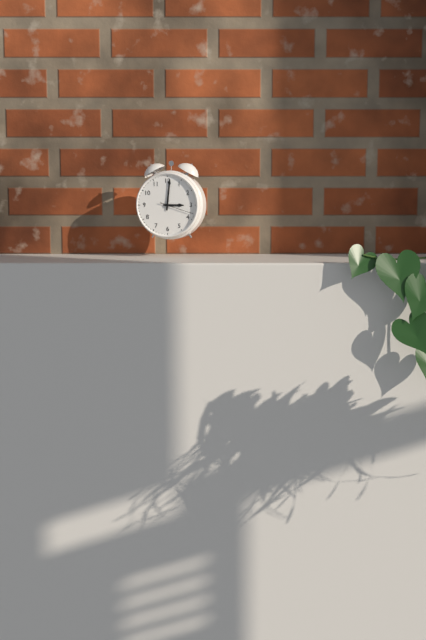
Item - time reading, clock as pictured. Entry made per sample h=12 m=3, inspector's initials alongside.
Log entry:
h=3 m=1
